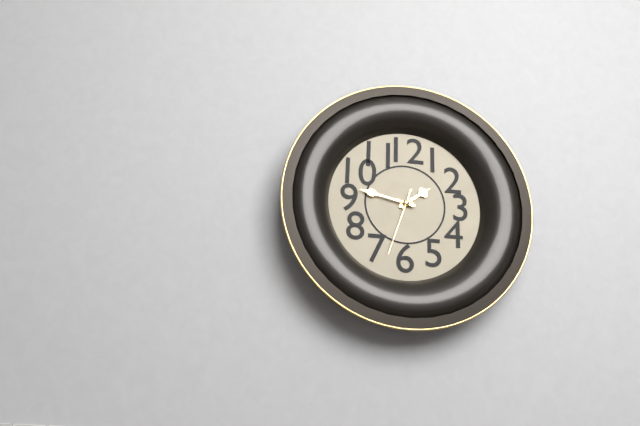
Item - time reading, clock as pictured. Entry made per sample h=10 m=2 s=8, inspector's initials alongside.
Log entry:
h=1 m=47 s=33
